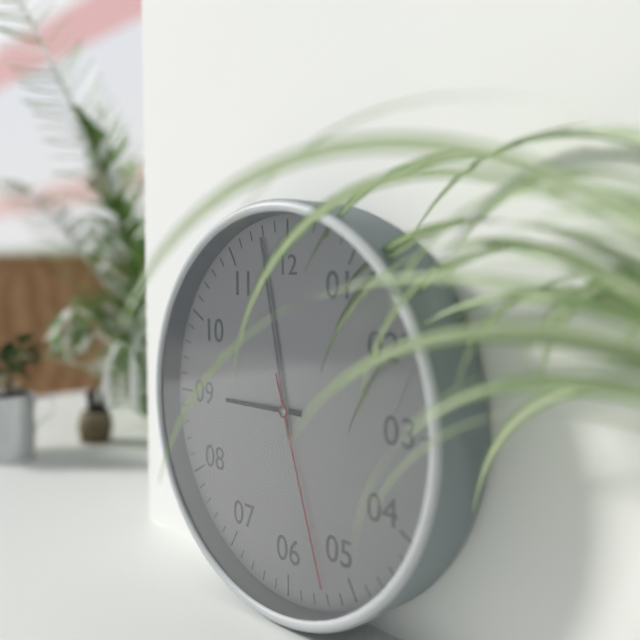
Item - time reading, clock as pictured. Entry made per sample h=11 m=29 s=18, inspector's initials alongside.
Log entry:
h=8 m=58 s=27
